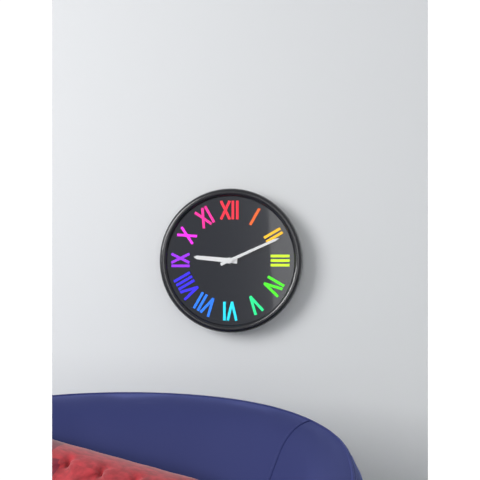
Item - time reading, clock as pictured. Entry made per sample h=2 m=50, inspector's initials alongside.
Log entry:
h=9 m=11
